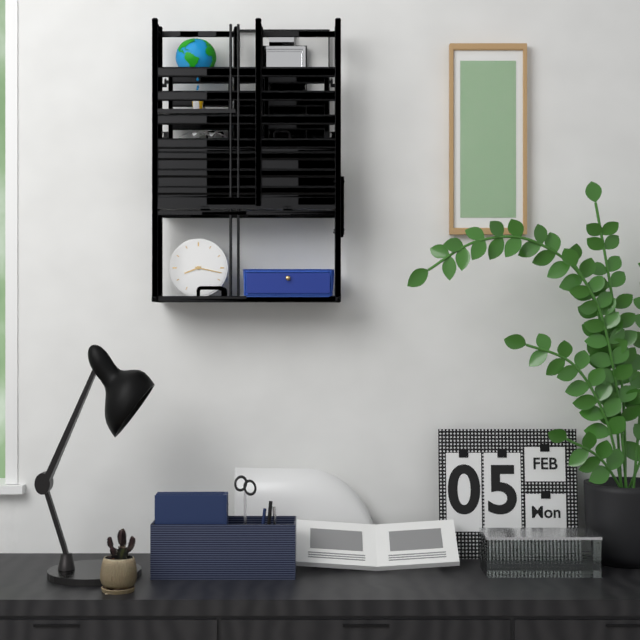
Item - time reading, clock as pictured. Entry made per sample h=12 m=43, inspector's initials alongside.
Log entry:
h=8 m=17
